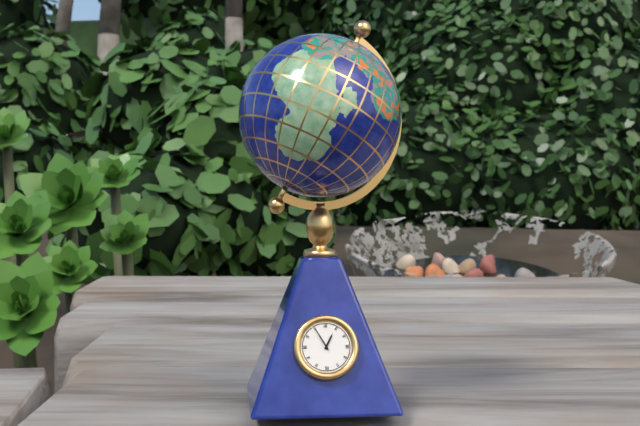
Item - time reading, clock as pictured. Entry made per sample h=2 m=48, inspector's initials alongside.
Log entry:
h=12 m=55
